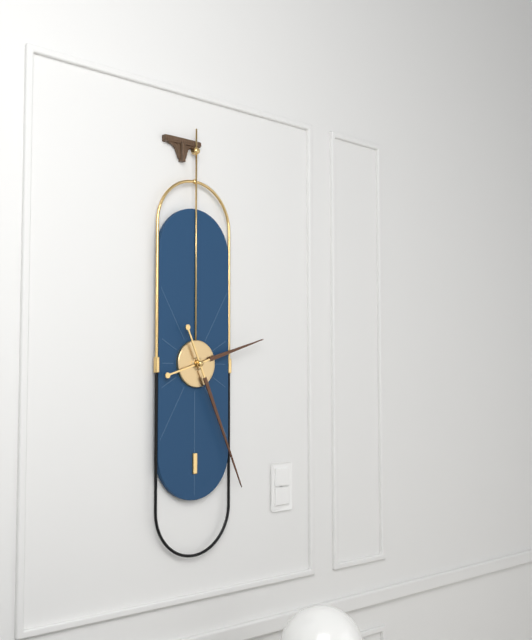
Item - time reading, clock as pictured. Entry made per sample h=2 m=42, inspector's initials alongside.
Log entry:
h=2 m=26
